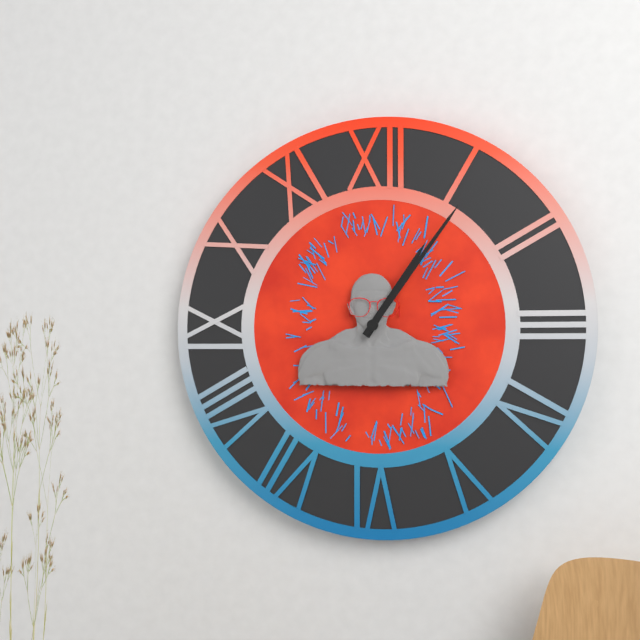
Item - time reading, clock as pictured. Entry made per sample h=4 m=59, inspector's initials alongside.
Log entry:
h=1 m=6
